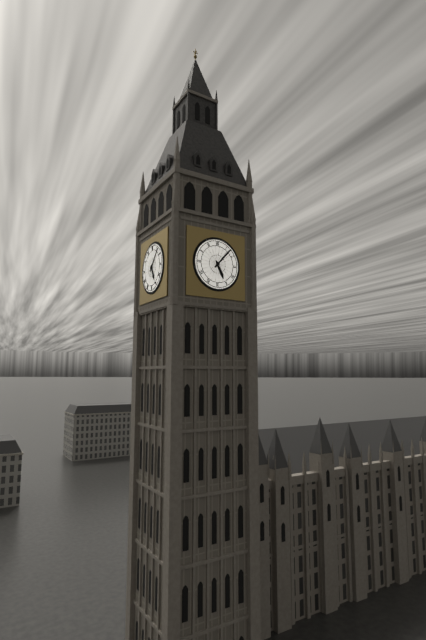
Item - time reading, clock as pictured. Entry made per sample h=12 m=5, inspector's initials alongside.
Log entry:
h=5 m=7
